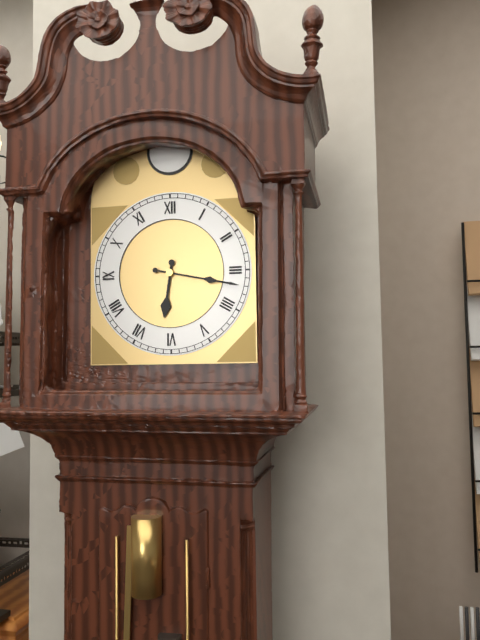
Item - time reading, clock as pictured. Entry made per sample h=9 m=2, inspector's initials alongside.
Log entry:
h=6 m=17
